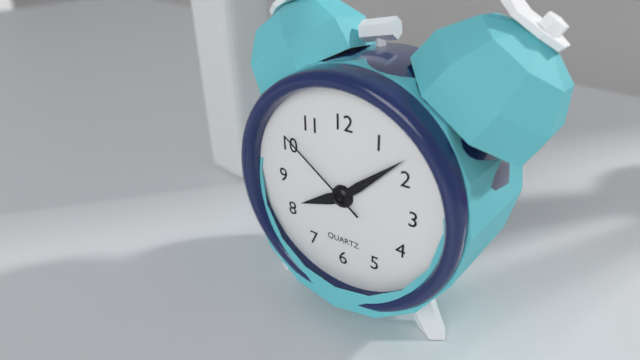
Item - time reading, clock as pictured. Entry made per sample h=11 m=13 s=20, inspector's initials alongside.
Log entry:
h=8 m=8 s=51
